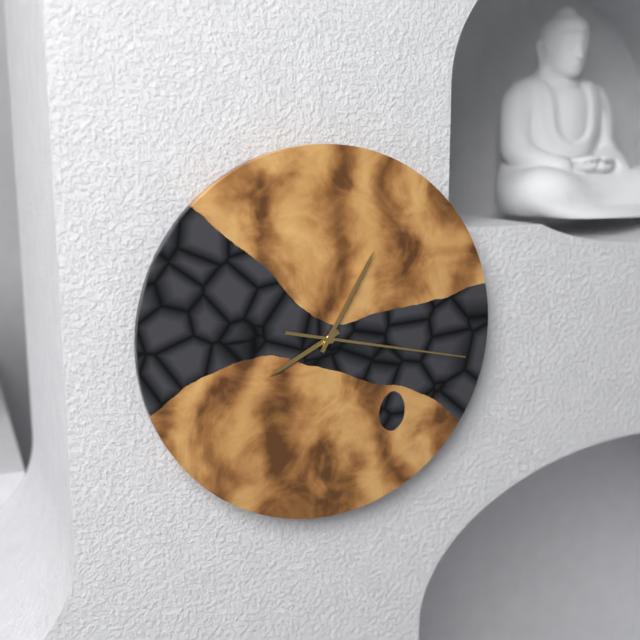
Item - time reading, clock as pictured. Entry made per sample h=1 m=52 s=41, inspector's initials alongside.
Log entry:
h=8 m=5 s=17
